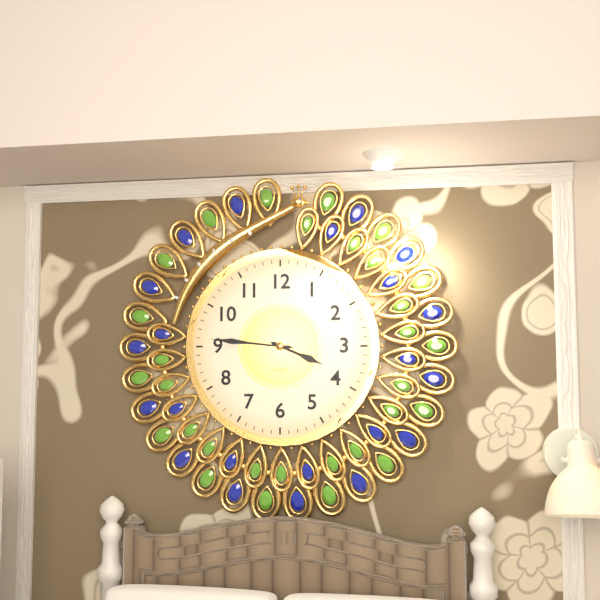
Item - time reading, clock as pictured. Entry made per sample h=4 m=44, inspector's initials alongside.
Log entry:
h=3 m=46
